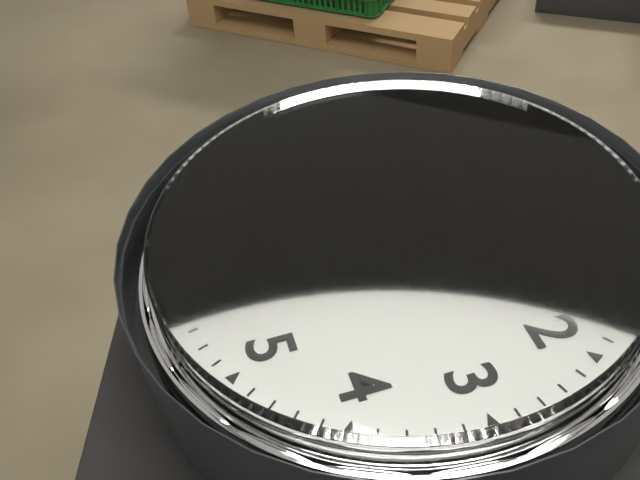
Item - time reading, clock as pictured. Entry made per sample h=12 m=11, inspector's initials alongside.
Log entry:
h=1 m=37
